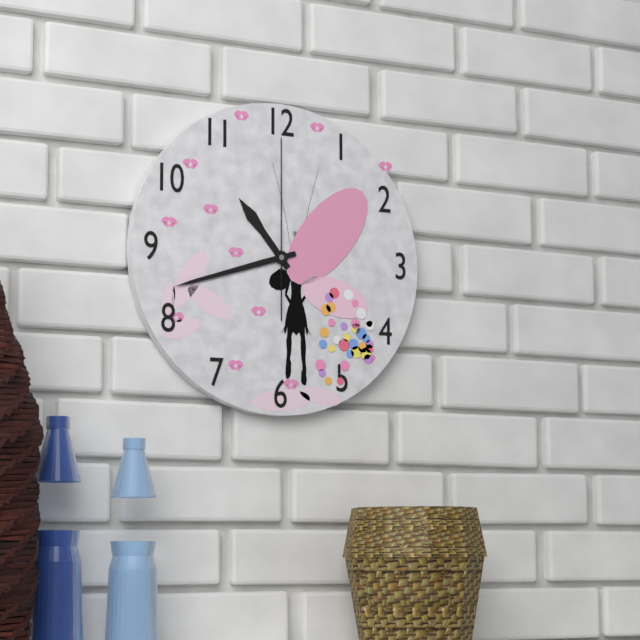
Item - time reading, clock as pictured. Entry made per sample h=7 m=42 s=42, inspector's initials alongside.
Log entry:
h=10 m=42 s=0
